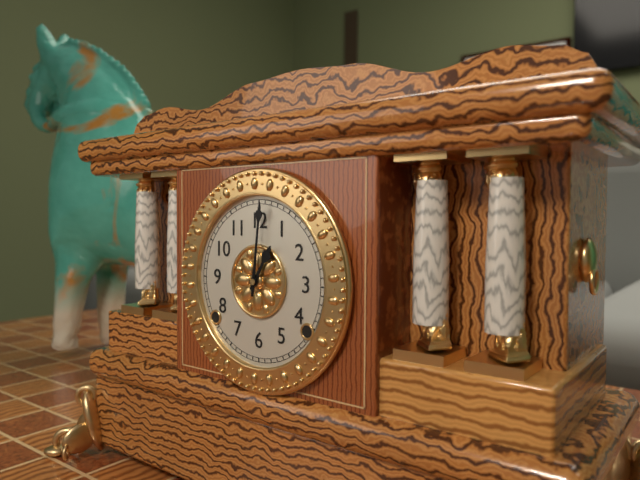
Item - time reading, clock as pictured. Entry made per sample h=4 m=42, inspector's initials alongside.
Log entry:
h=1 m=1
